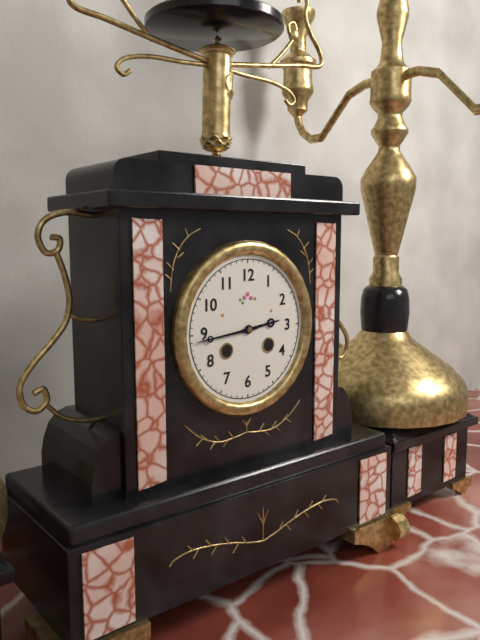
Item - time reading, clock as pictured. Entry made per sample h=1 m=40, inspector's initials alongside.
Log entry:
h=2 m=44
